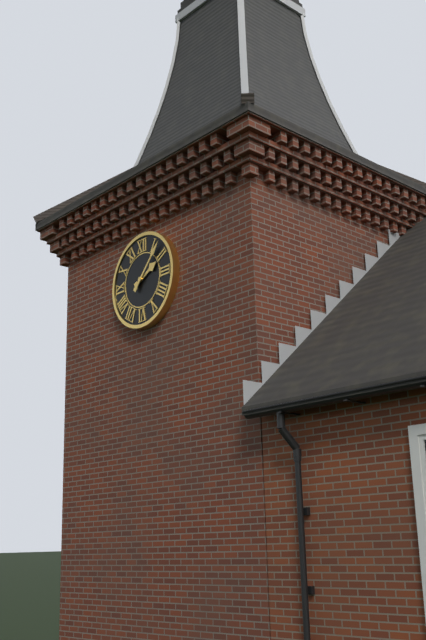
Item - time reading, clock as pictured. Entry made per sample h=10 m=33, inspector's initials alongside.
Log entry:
h=2 m=7
